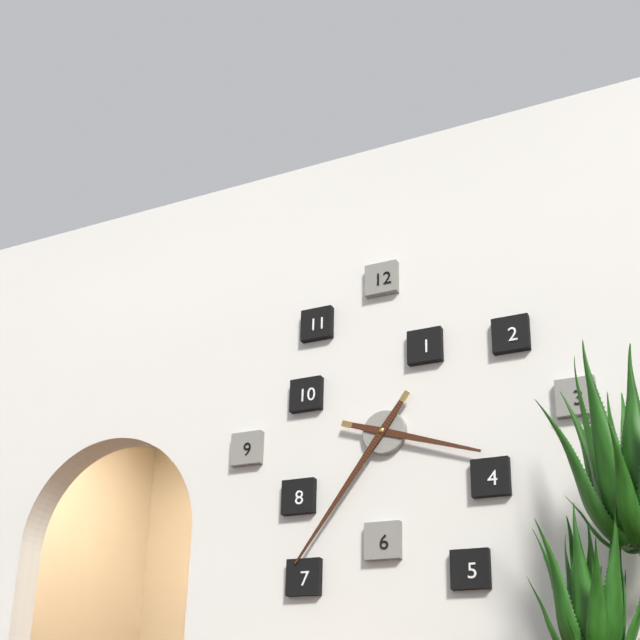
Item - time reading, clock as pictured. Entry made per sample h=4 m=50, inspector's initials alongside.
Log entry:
h=3 m=36
